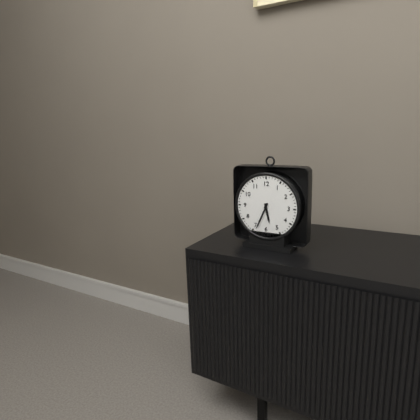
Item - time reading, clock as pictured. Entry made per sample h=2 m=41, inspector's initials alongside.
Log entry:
h=5 m=34
